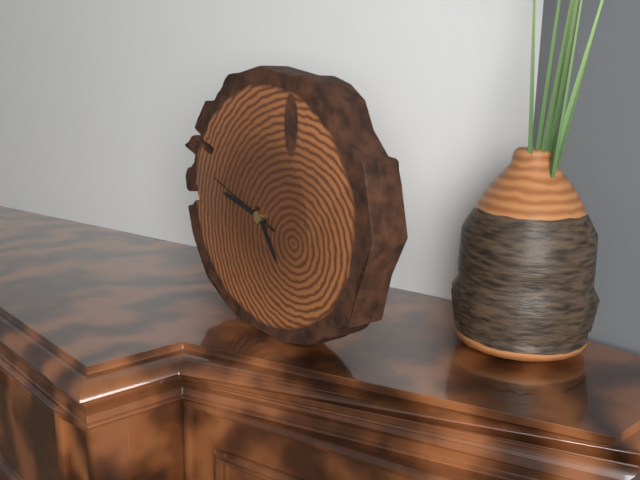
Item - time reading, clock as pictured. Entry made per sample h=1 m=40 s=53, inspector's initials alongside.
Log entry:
h=4 m=47 s=48
